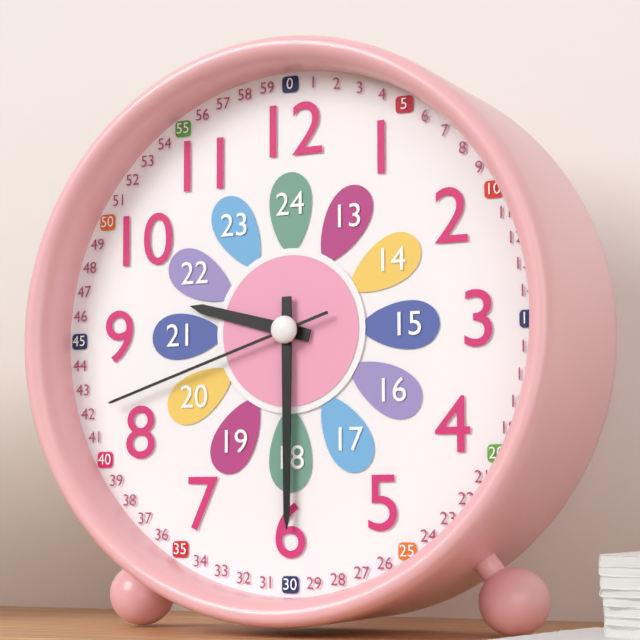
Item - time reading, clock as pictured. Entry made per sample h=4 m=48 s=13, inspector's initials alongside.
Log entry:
h=9 m=30 s=42
